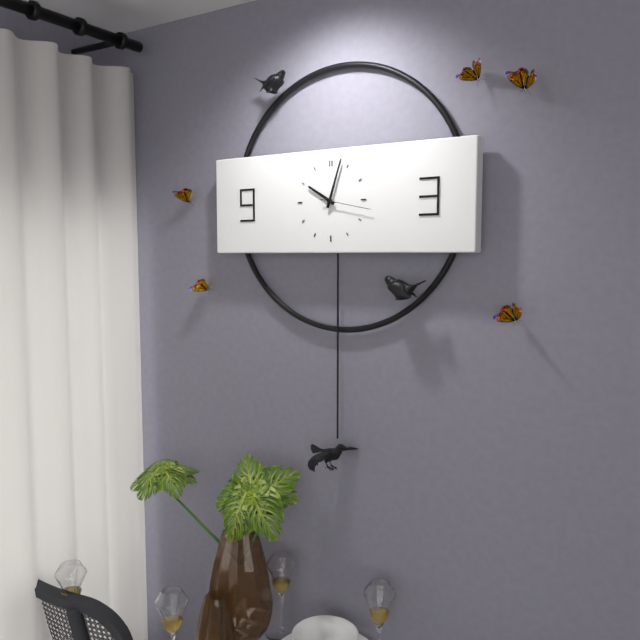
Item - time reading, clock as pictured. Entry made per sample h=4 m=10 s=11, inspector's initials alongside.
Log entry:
h=10 m=3 s=17
